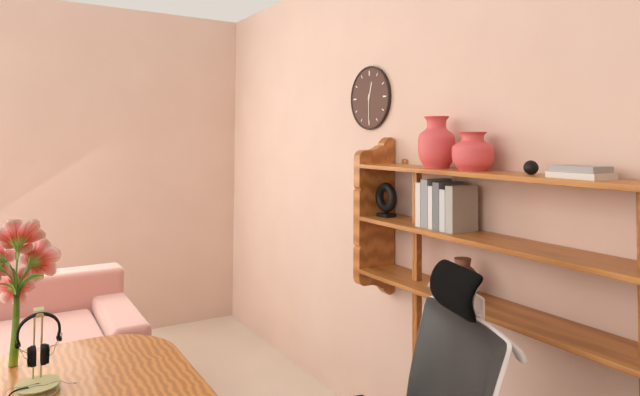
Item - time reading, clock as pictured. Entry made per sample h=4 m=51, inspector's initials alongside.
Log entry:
h=12 m=30
